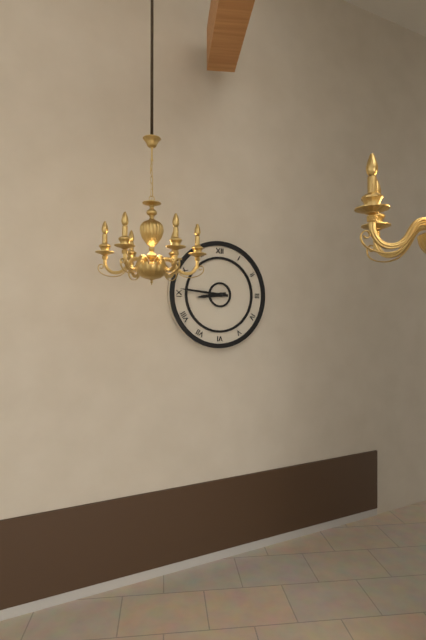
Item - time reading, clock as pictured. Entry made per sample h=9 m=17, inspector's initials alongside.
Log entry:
h=8 m=46
